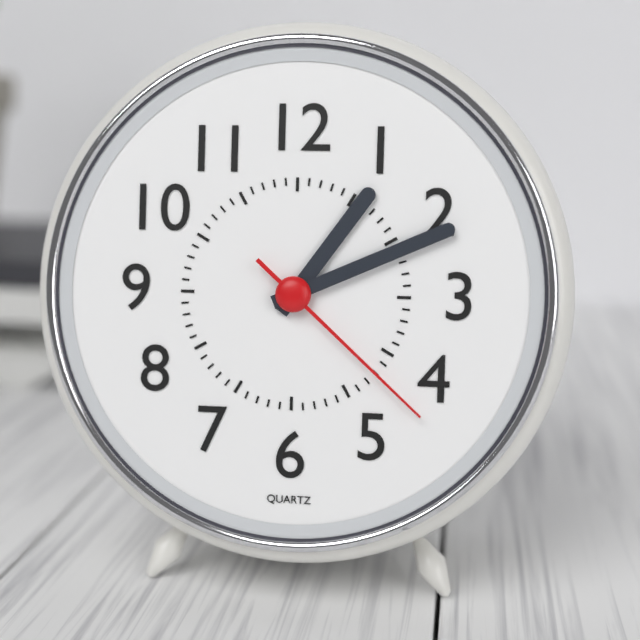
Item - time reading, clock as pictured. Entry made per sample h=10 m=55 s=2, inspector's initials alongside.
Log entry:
h=1 m=11 s=22
